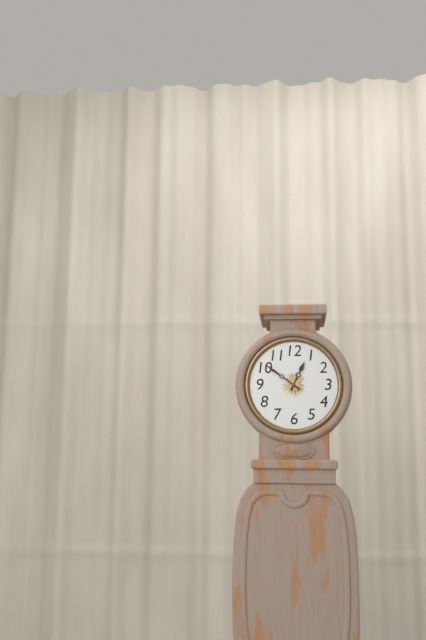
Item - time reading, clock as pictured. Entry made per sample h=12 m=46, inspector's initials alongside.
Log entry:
h=12 m=51
